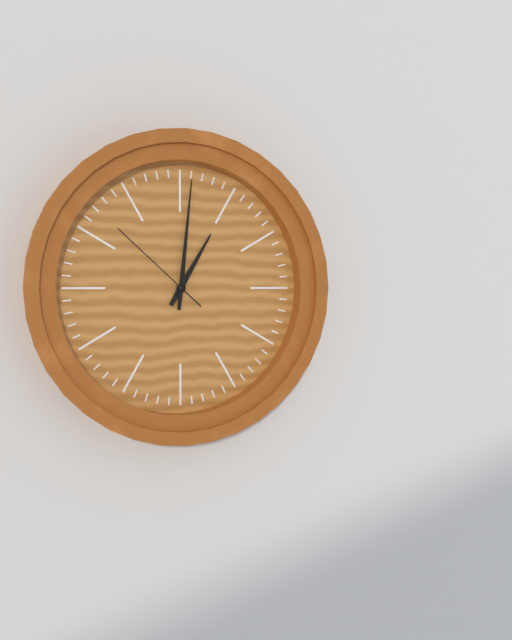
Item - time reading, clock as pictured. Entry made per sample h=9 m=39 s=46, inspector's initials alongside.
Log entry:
h=1 m=1 s=52
